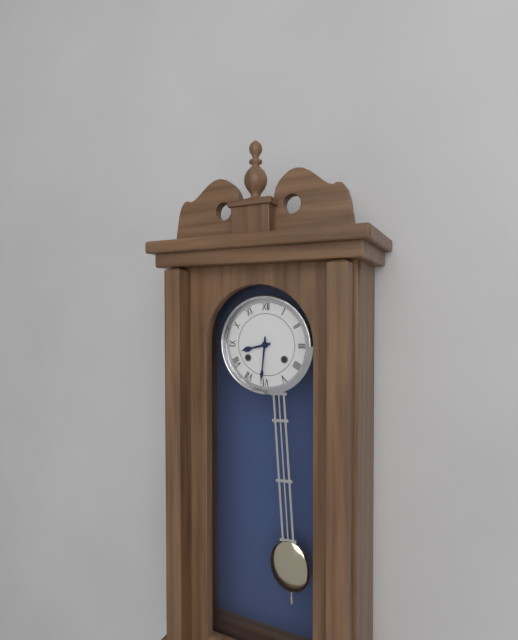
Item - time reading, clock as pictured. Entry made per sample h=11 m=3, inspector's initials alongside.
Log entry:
h=8 m=31
